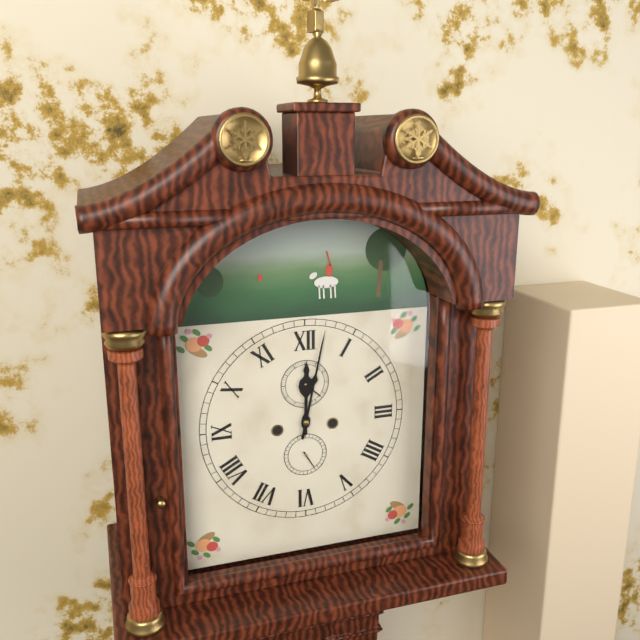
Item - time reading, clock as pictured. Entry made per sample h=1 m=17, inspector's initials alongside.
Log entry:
h=12 m=2
